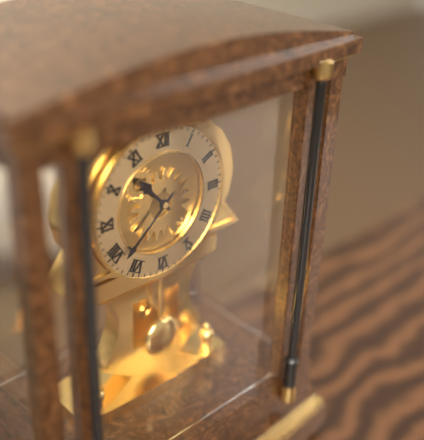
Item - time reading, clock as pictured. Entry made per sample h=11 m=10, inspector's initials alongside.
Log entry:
h=10 m=38
